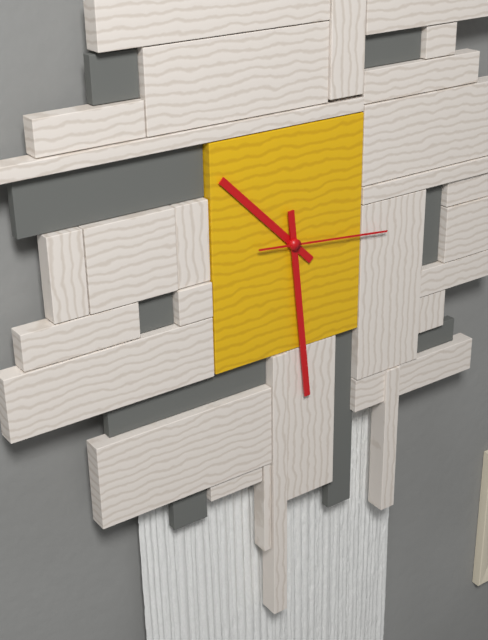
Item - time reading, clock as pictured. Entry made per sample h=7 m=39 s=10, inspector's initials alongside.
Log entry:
h=10 m=29 s=16
